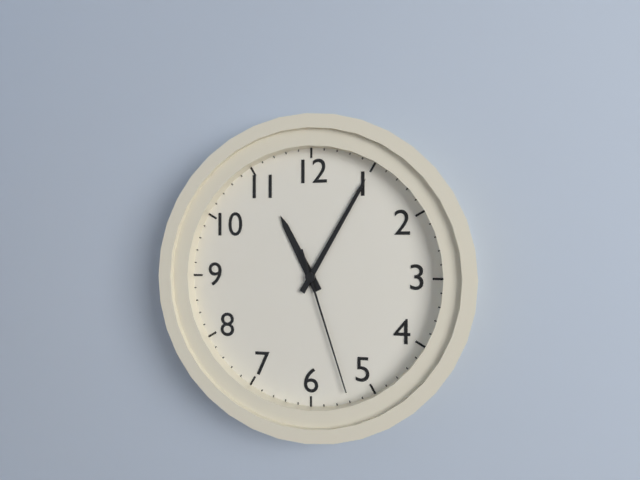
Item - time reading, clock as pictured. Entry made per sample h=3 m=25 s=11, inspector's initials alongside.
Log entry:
h=11 m=5 s=27
